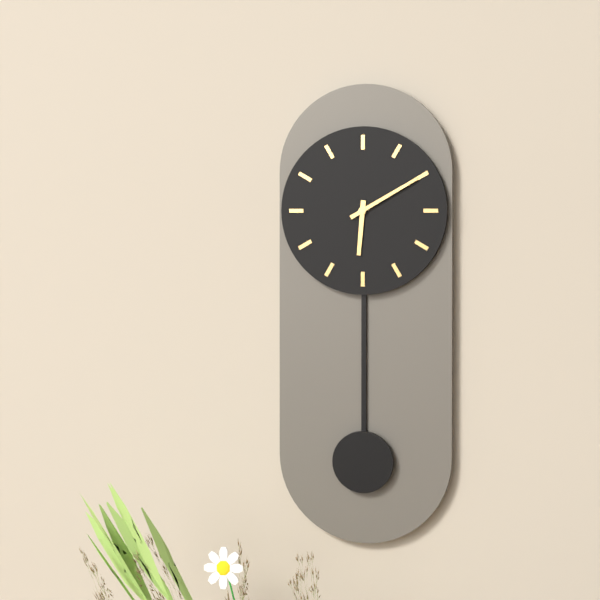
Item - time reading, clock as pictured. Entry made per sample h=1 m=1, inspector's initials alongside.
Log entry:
h=6 m=10
